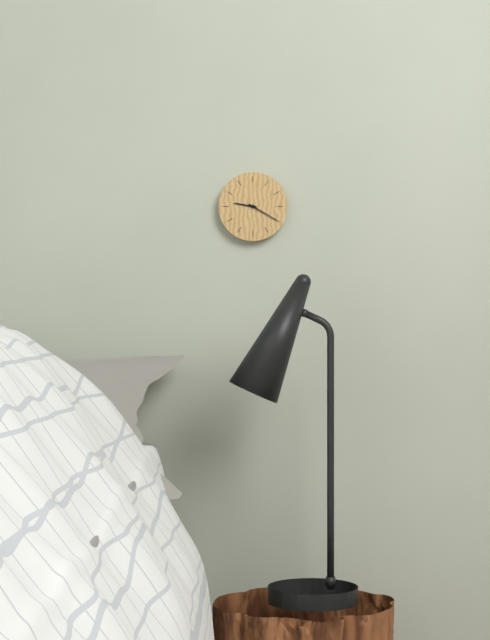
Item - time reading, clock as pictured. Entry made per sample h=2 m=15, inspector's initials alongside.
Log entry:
h=9 m=20
